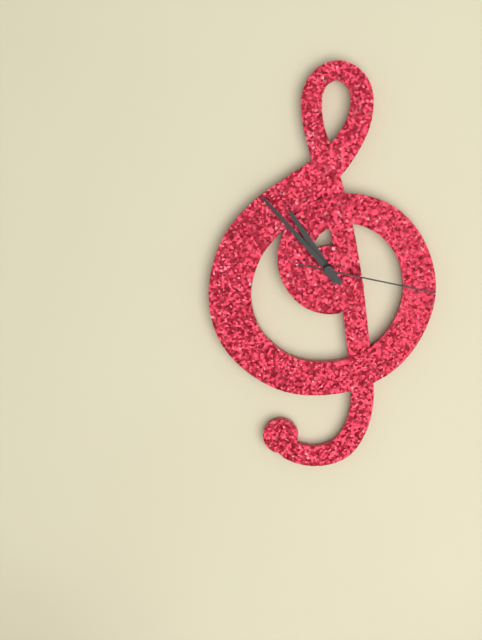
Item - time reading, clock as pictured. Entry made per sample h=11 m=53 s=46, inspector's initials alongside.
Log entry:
h=10 m=53 s=17
